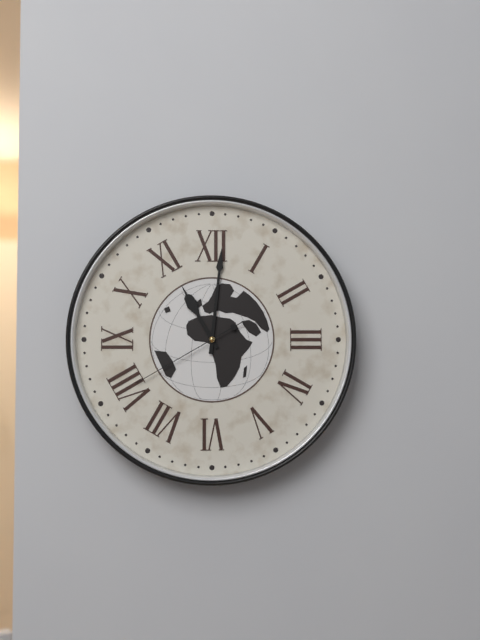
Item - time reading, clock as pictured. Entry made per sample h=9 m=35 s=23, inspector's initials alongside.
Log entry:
h=11 m=1 s=40
